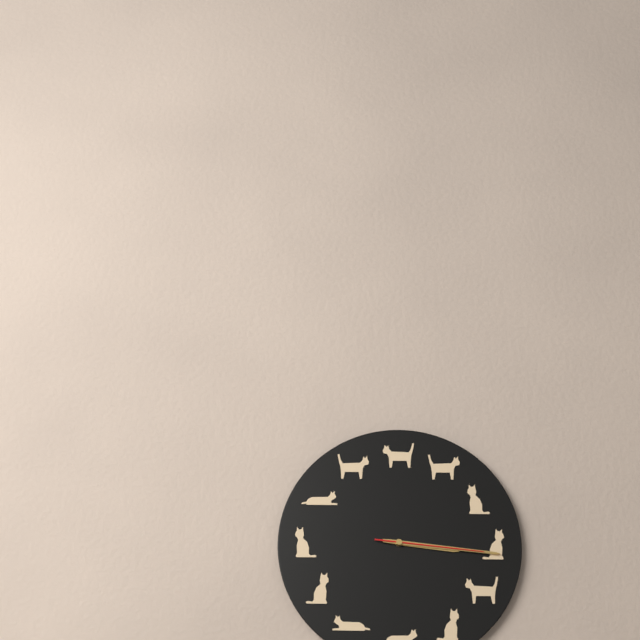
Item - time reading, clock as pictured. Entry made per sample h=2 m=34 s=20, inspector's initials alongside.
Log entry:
h=3 m=16 s=16
